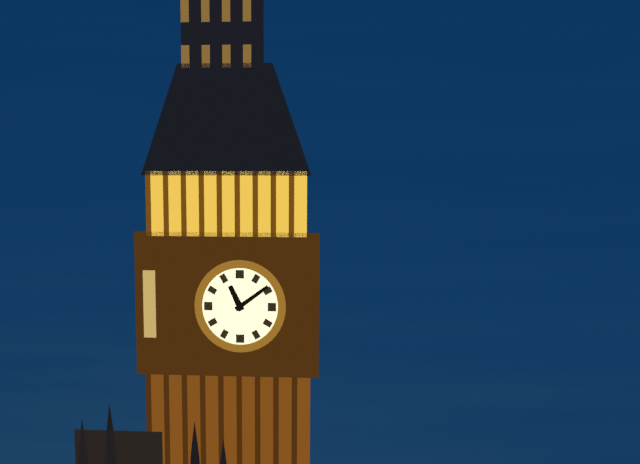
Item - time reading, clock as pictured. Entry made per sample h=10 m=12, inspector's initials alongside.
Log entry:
h=11 m=9
